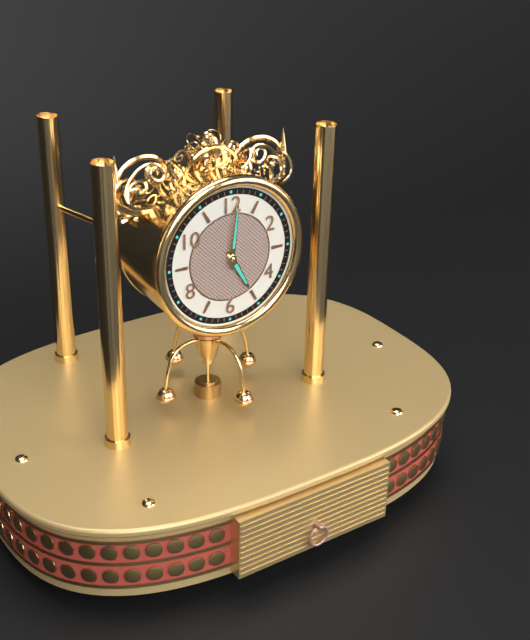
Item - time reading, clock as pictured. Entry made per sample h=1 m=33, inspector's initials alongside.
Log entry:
h=5 m=1
